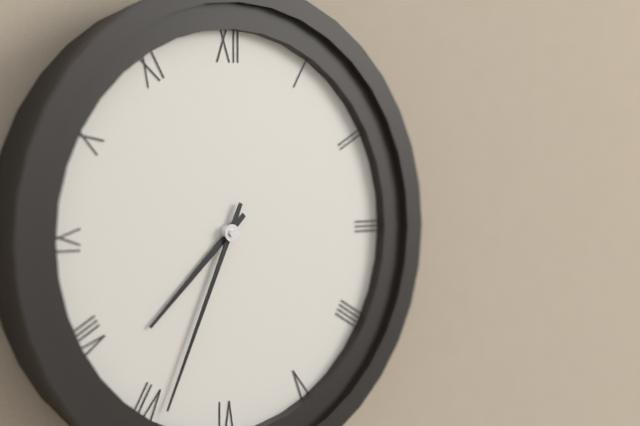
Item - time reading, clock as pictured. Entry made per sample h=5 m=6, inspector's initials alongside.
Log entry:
h=7 m=34
